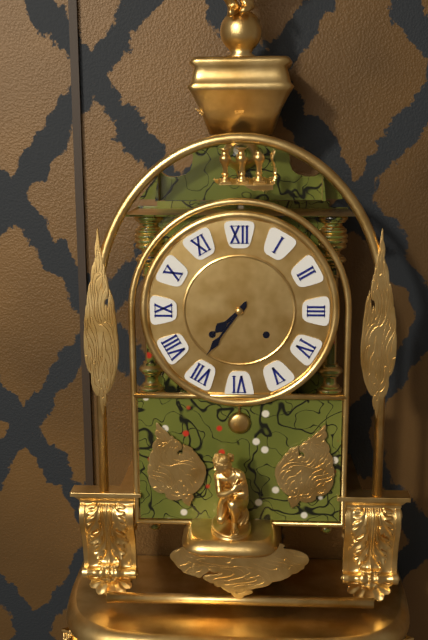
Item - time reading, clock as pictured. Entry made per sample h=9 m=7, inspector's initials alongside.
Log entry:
h=7 m=36
